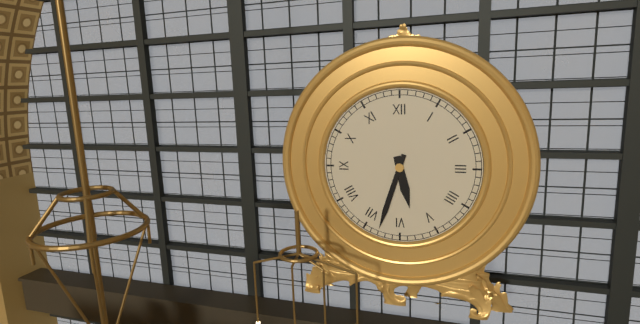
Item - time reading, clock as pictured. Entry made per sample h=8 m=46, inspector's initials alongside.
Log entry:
h=5 m=33
